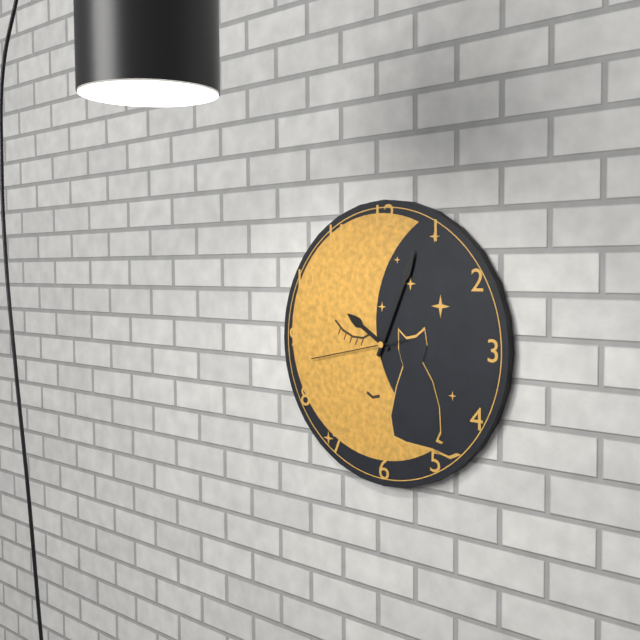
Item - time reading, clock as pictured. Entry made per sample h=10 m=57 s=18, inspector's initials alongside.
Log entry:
h=10 m=4 s=43
